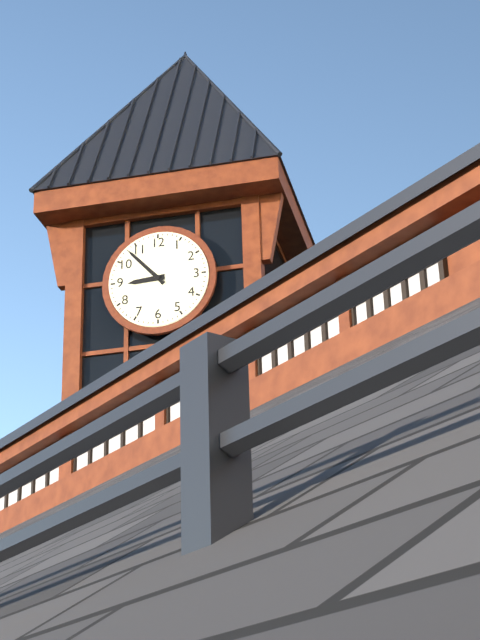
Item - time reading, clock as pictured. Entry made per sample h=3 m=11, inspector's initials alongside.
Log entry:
h=8 m=53
